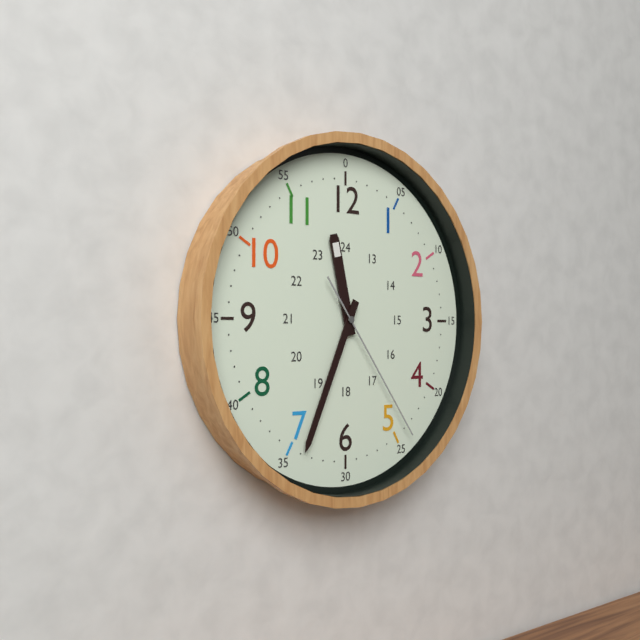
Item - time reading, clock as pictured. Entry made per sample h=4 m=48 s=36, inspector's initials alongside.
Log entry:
h=11 m=34 s=24
